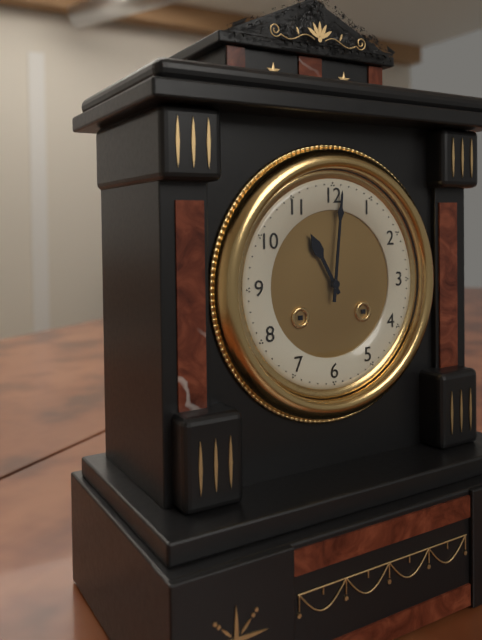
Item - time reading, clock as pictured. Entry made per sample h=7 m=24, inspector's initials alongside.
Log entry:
h=11 m=1
